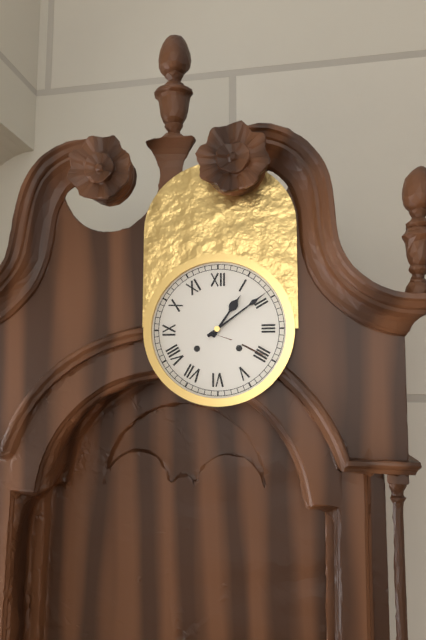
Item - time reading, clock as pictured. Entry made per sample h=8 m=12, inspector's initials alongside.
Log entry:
h=1 m=9
